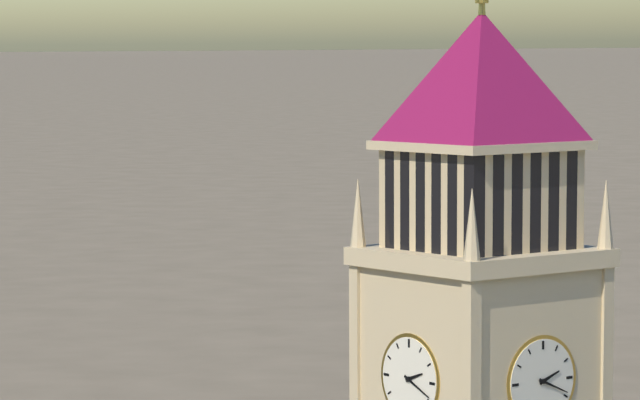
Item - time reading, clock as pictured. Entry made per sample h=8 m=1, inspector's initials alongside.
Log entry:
h=2 m=19
